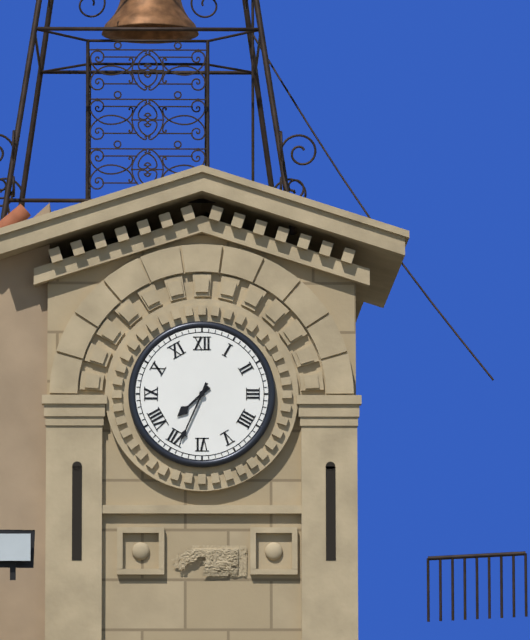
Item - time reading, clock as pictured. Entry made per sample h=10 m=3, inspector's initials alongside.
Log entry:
h=7 m=34
